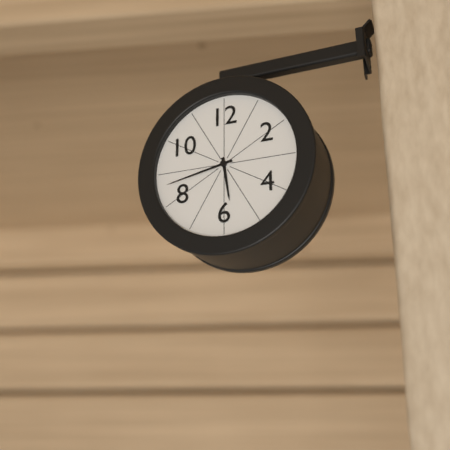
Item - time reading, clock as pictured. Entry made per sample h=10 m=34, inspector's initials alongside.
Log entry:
h=5 m=43
